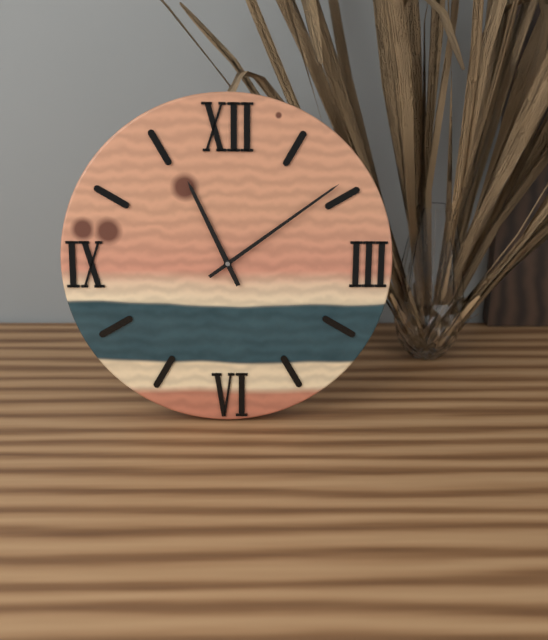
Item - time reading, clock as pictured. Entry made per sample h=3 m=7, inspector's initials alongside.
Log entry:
h=11 m=9
